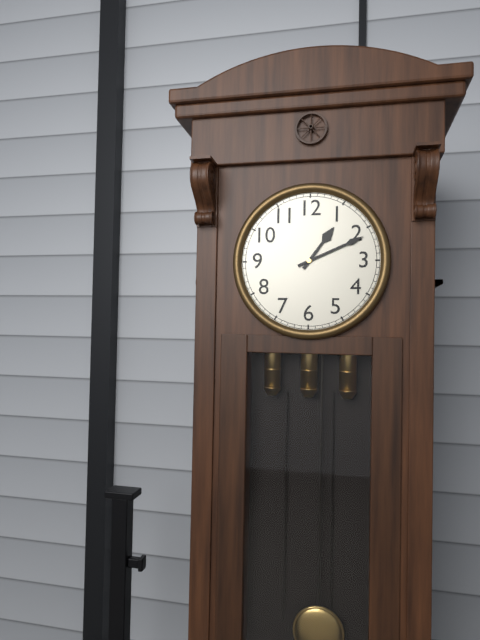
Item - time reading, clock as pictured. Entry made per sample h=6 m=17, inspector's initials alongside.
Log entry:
h=1 m=11
